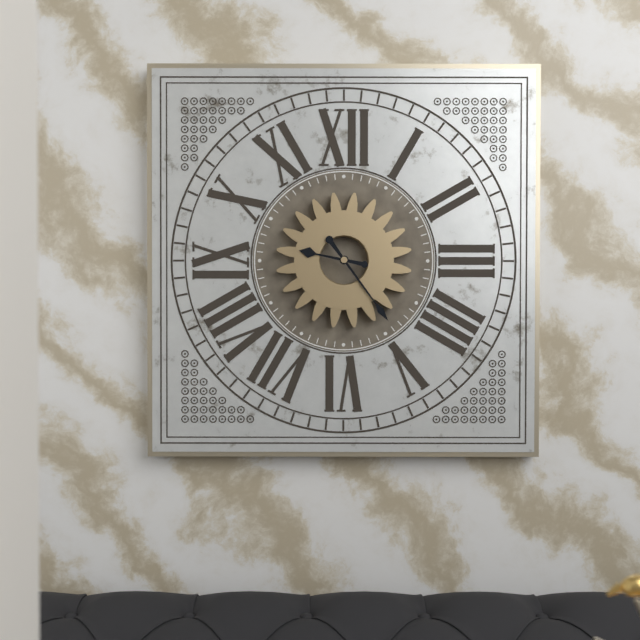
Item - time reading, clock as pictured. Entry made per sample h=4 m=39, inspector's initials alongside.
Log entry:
h=9 m=24
